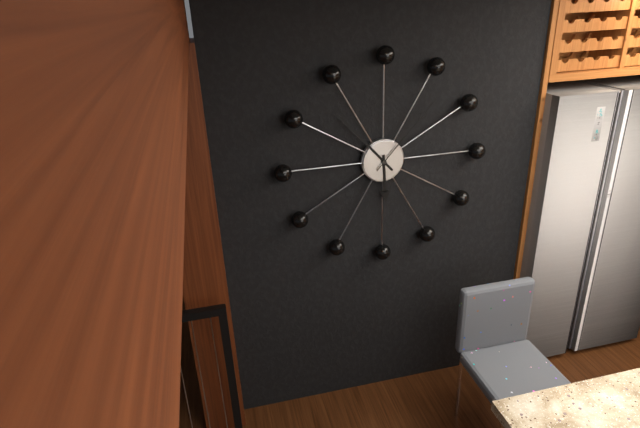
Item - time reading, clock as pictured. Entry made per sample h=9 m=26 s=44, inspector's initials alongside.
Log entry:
h=5 m=53 s=7
